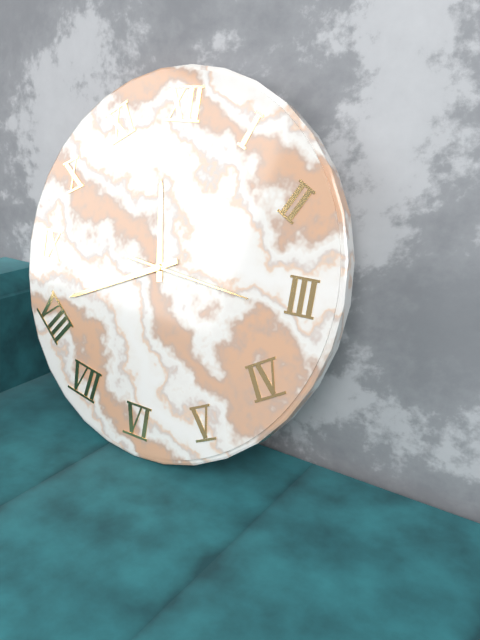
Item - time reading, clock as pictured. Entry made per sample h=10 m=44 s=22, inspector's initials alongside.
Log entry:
h=11 m=41 s=16
